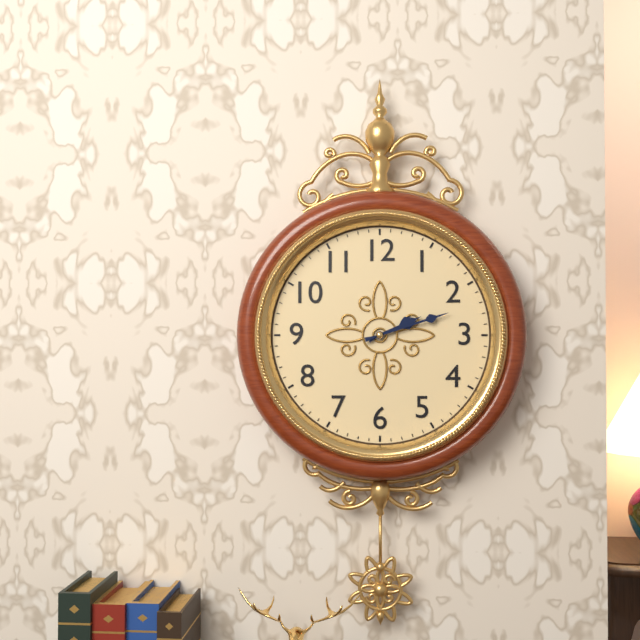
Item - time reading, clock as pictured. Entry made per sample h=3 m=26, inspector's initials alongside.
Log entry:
h=2 m=12
